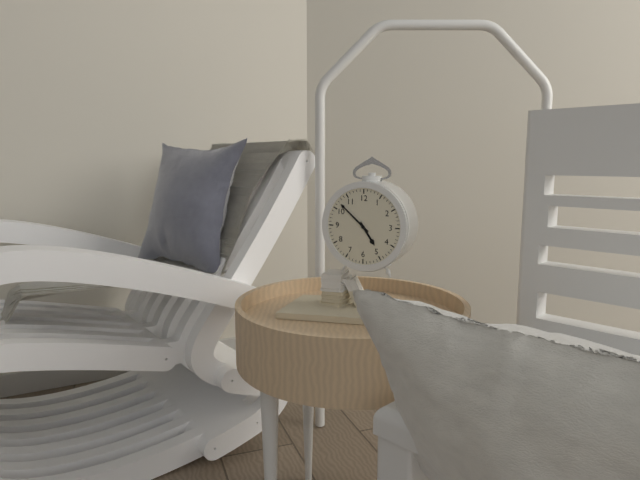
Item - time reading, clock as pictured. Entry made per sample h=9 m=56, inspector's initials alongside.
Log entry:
h=4 m=52
